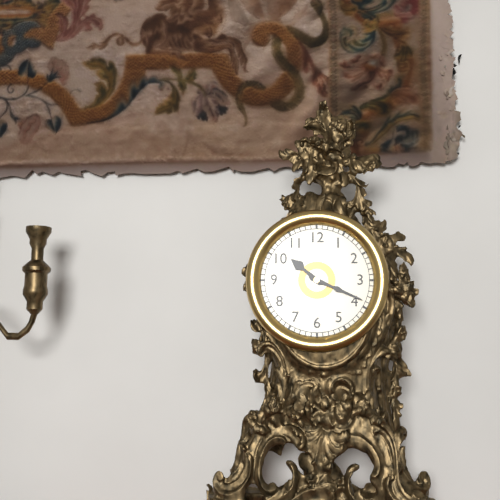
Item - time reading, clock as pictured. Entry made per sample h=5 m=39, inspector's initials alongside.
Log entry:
h=10 m=19
